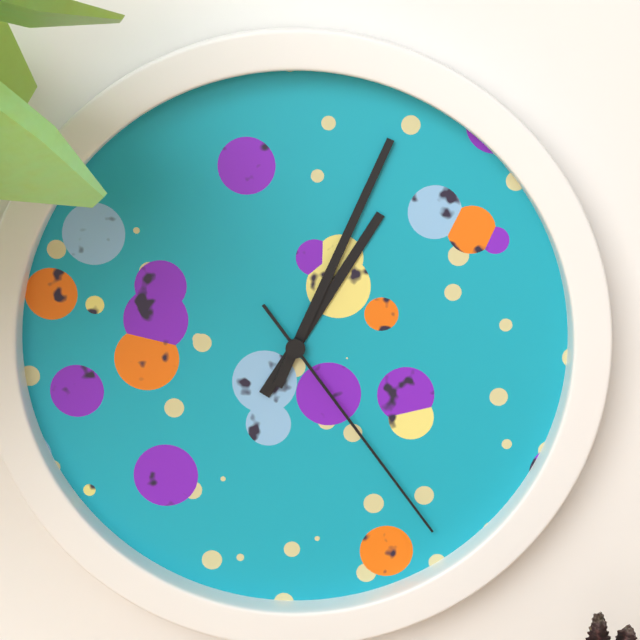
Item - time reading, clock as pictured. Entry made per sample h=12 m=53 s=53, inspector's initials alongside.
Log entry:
h=1 m=4 s=24
